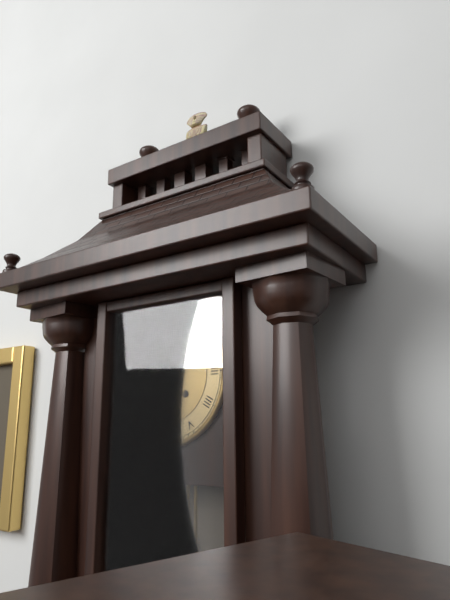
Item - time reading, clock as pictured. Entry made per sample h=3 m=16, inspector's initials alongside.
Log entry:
h=7 m=32
